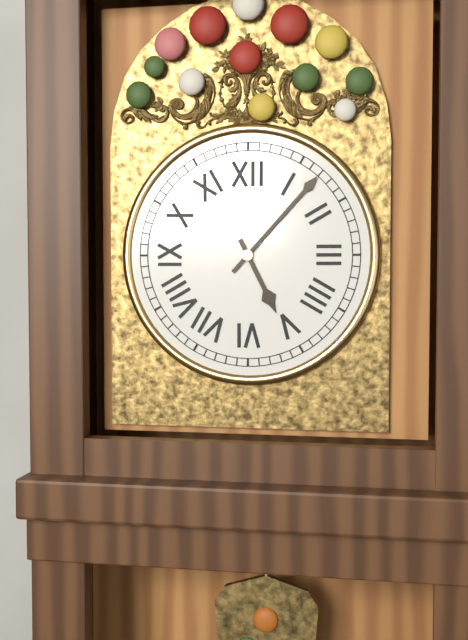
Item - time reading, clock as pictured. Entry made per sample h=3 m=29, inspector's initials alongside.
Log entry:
h=5 m=7
